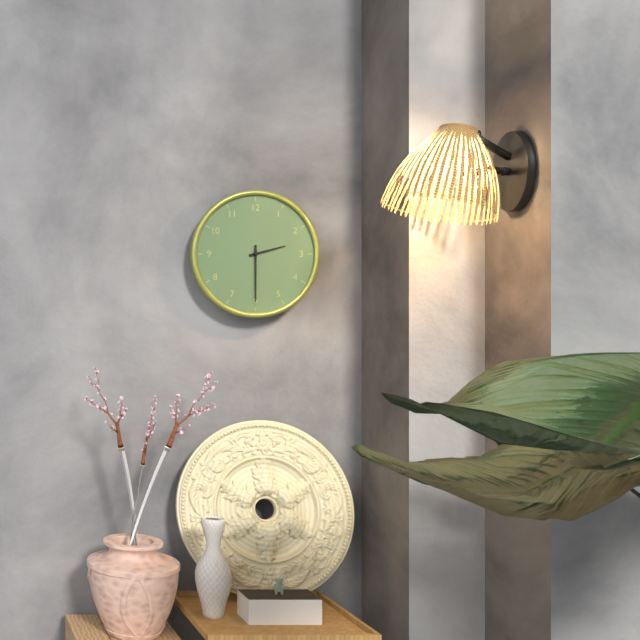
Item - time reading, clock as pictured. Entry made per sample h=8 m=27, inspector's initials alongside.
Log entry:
h=2 m=30
